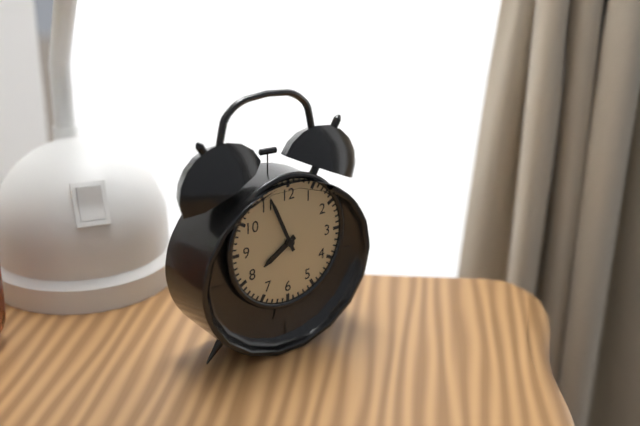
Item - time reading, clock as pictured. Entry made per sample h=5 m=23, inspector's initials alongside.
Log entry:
h=7 m=56
